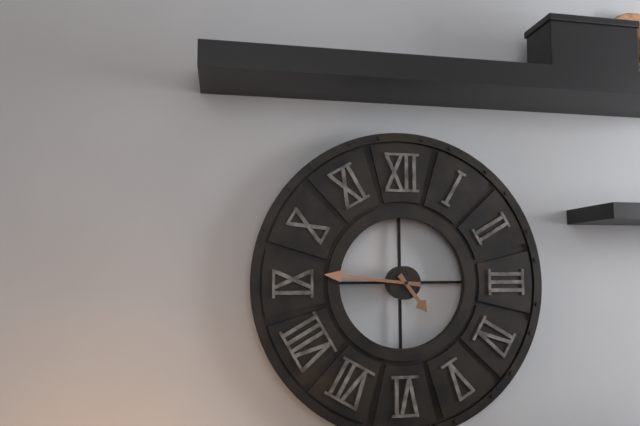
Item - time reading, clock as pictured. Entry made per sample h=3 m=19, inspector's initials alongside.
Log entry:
h=4 m=46
